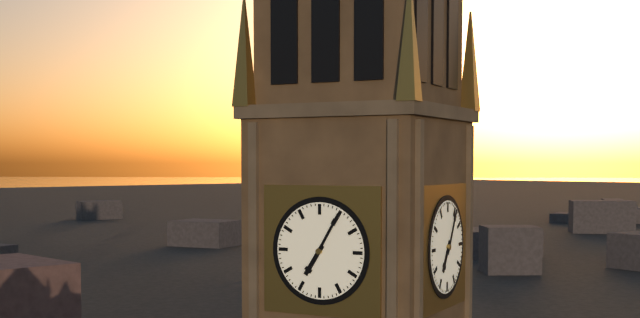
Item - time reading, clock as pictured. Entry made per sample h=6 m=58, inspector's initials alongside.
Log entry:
h=7 m=5
